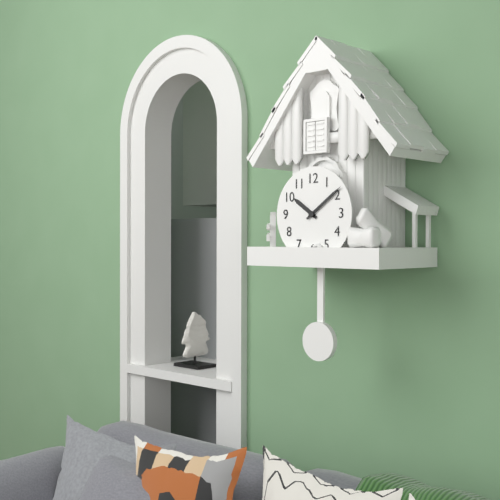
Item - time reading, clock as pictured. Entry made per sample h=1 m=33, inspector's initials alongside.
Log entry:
h=10 m=9
